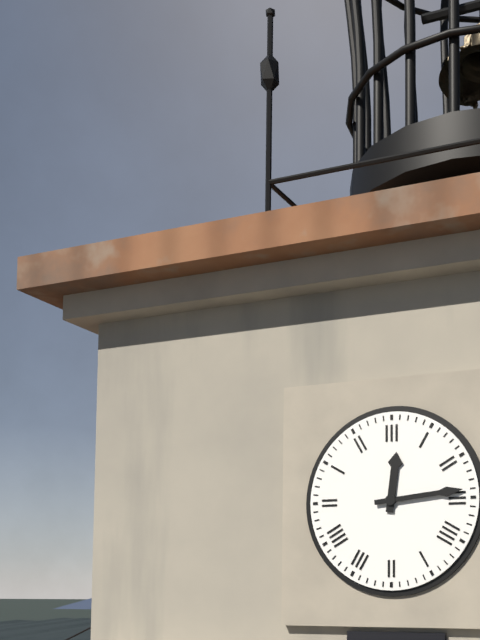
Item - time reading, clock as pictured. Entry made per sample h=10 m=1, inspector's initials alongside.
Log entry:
h=12 m=14
